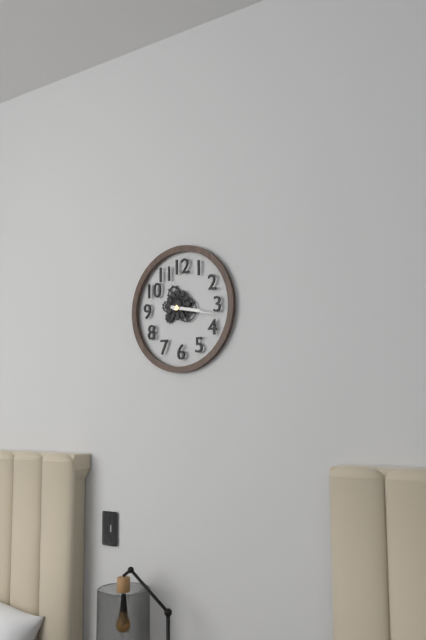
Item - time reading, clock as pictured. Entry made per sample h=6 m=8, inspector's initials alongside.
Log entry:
h=3 m=17
